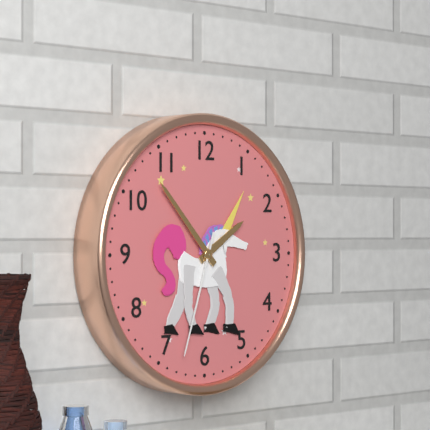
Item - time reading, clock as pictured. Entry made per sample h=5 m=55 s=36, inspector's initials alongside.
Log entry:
h=1 m=53 s=33
